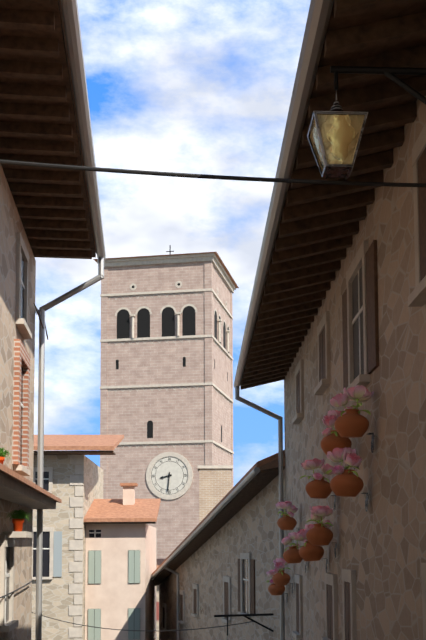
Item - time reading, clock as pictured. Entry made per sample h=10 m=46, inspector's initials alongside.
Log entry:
h=8 m=31
